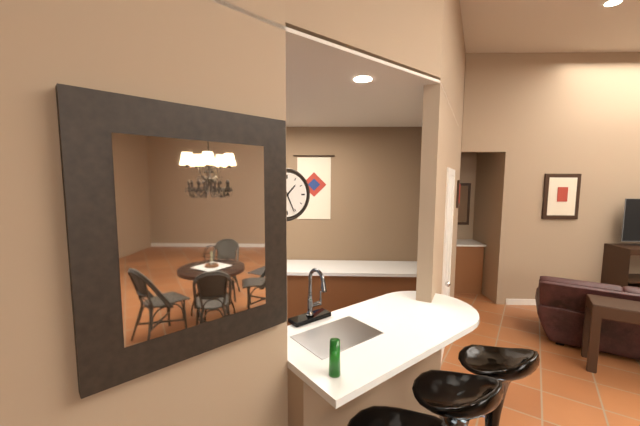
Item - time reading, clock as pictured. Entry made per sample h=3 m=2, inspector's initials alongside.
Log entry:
h=1 m=26
